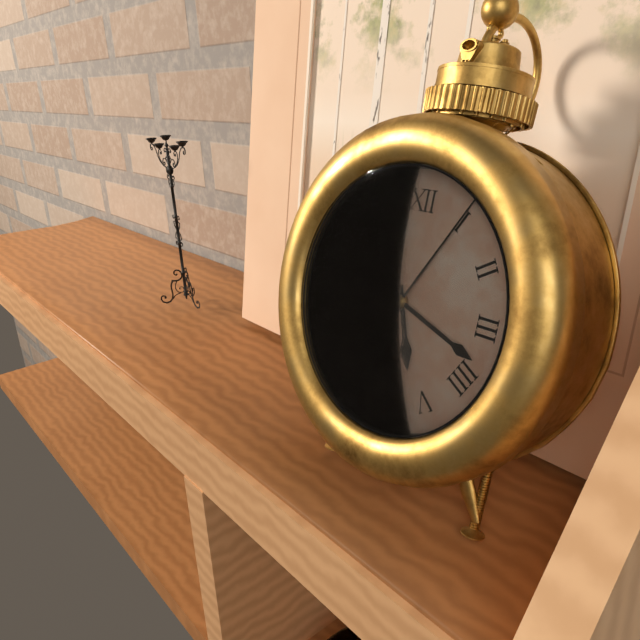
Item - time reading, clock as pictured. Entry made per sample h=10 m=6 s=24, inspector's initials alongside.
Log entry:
h=5 m=18 s=5
